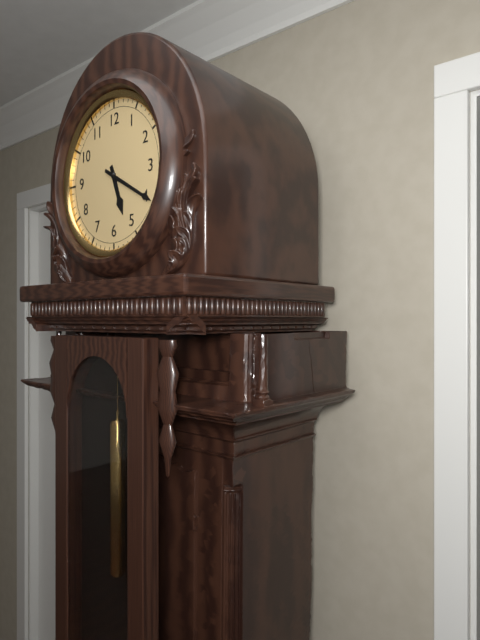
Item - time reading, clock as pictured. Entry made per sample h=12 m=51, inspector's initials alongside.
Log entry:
h=5 m=20
